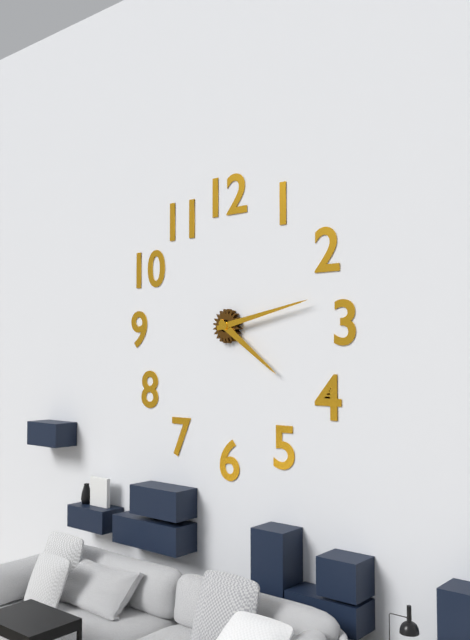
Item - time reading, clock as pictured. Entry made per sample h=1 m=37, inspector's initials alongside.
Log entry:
h=4 m=13
